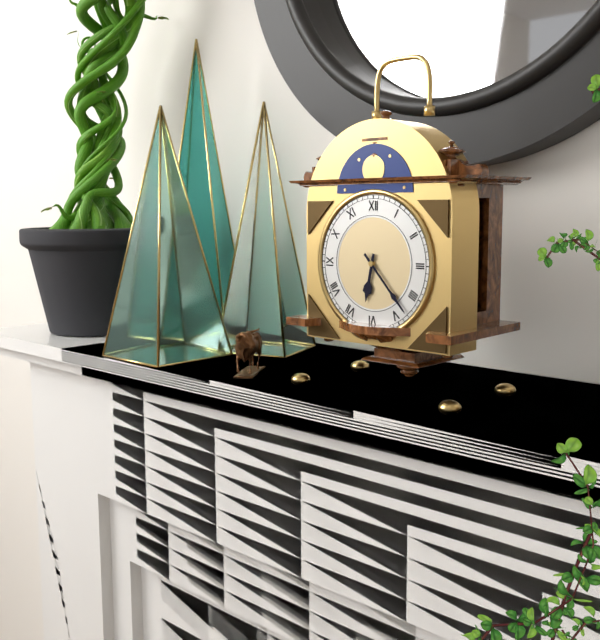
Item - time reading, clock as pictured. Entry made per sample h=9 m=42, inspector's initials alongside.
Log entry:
h=6 m=23
